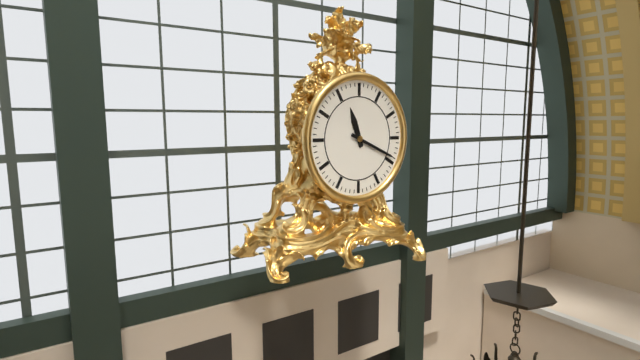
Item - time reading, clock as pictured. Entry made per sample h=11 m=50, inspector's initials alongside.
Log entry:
h=11 m=19
